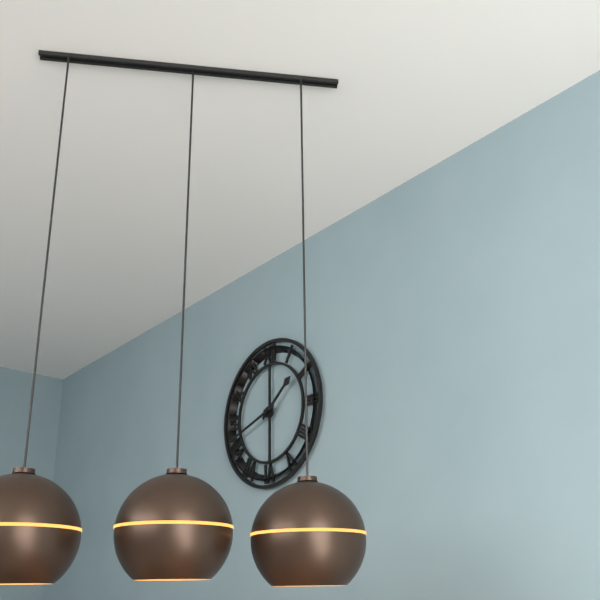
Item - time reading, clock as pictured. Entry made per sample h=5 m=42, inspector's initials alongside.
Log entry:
h=1 m=42
